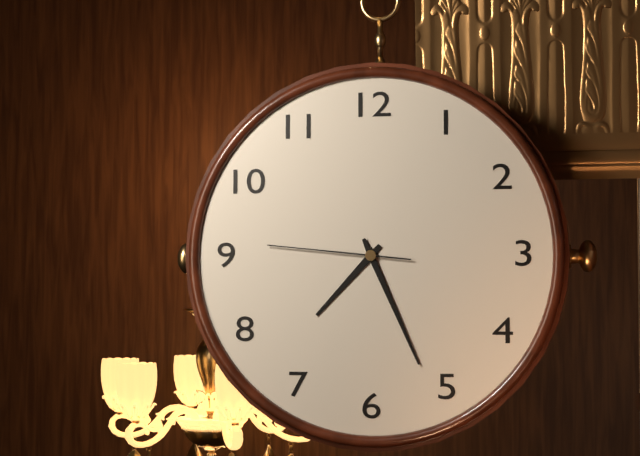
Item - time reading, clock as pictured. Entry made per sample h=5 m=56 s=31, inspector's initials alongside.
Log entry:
h=7 m=26 s=46
